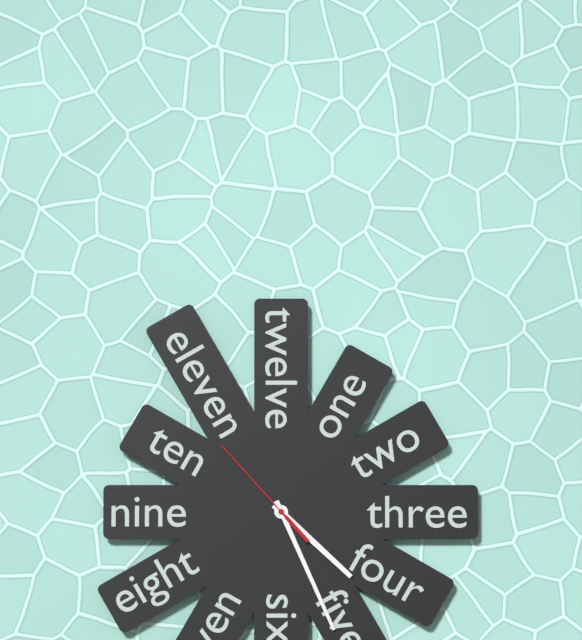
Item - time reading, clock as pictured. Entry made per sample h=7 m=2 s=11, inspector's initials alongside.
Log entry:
h=4 m=26 s=53
